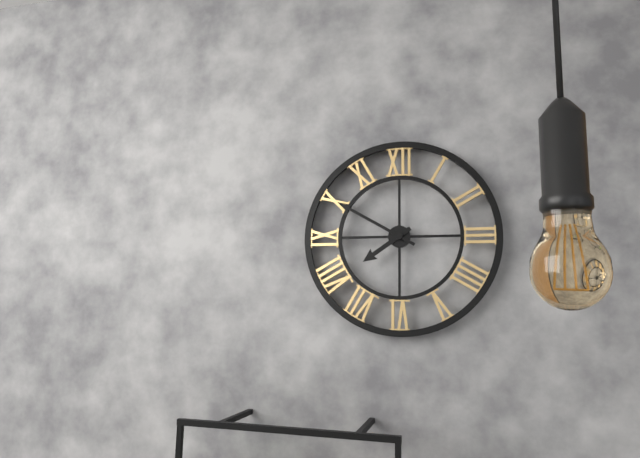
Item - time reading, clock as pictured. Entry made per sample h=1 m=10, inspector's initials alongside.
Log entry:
h=7 m=50
